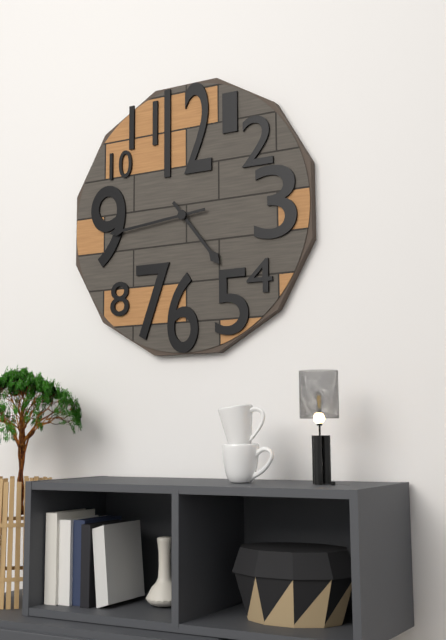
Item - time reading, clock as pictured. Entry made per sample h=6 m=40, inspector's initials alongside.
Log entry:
h=4 m=44
